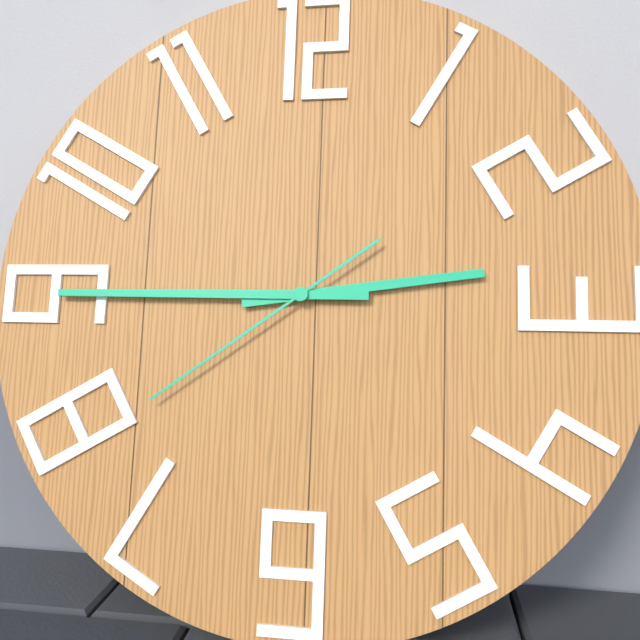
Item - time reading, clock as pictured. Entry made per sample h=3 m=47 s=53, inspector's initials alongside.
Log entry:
h=2 m=45 s=39
